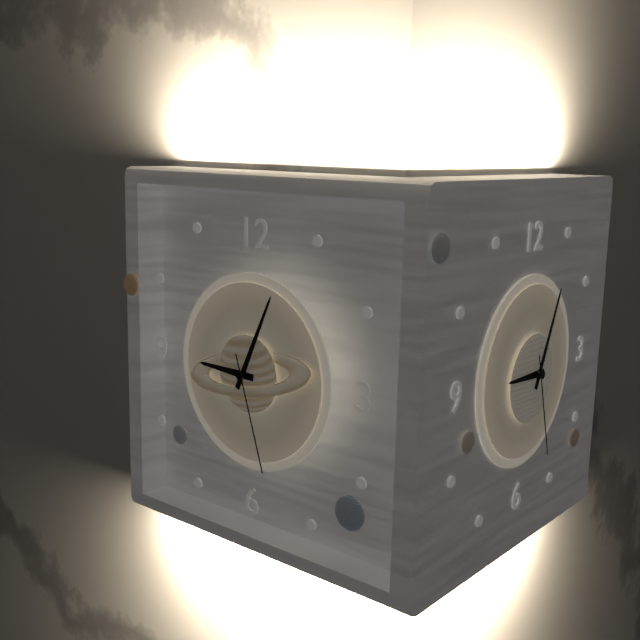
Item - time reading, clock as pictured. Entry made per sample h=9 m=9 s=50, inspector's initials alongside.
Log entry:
h=9 m=4 s=27
